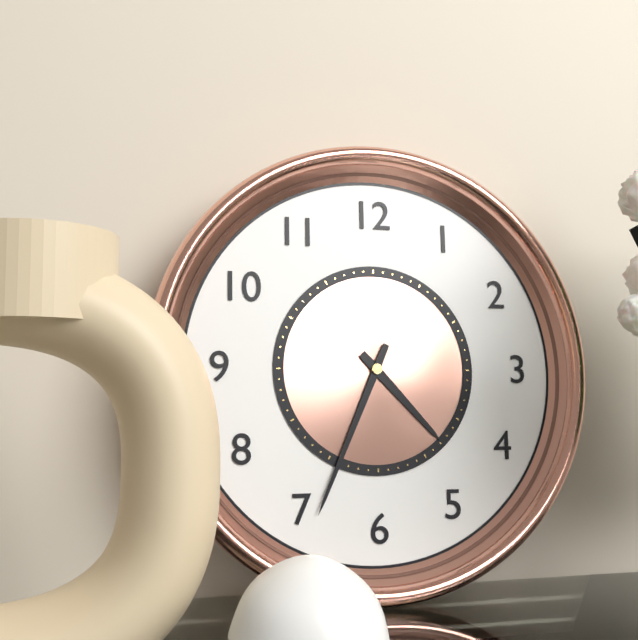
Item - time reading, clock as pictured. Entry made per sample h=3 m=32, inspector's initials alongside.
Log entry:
h=4 m=34
